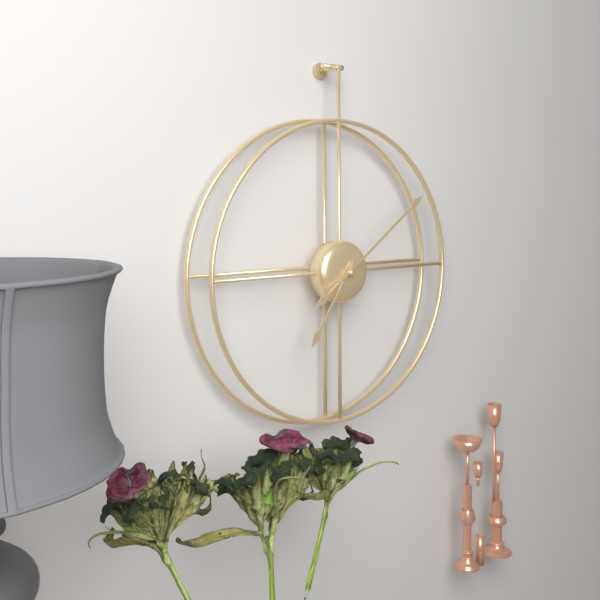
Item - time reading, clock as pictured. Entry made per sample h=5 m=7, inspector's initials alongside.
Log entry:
h=7 m=9
